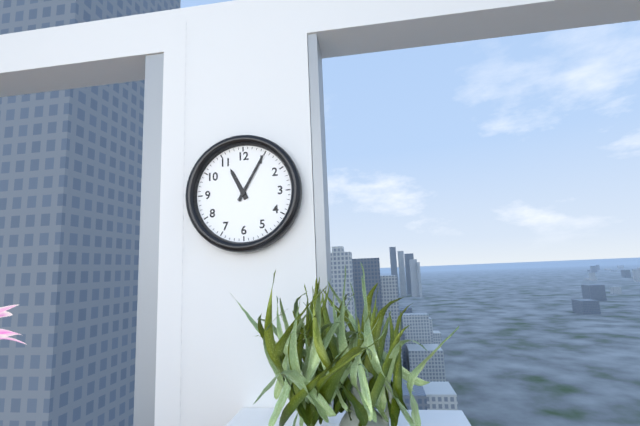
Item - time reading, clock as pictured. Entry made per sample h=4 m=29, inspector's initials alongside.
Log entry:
h=11 m=5
